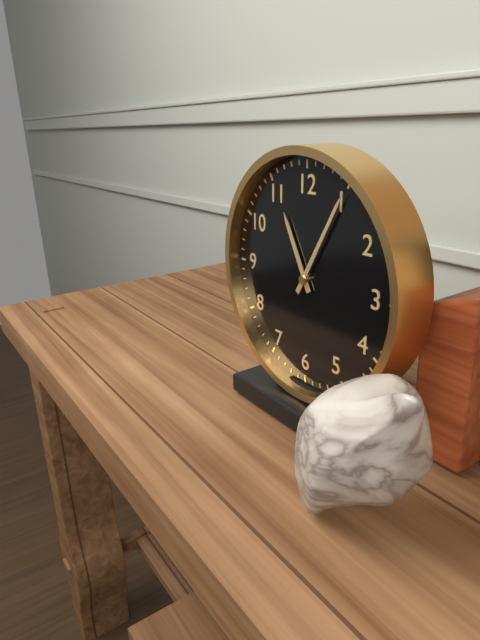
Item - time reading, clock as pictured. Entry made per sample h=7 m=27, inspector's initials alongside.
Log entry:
h=11 m=5
